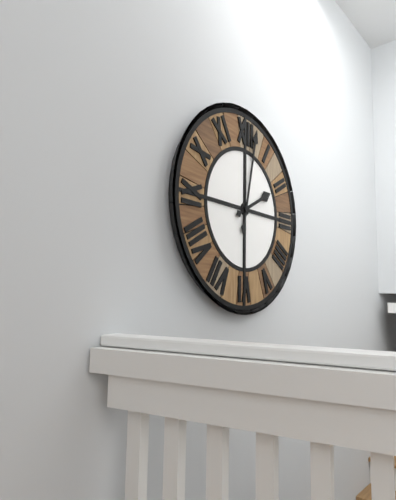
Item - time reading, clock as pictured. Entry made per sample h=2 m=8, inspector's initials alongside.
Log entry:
h=2 m=2
